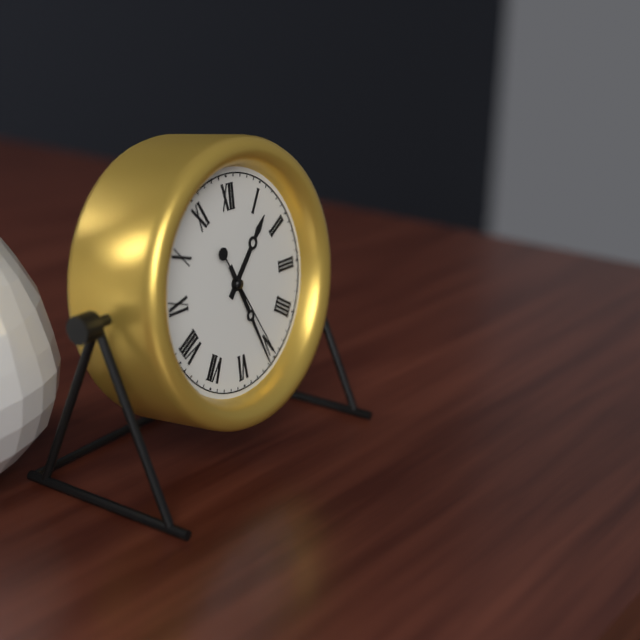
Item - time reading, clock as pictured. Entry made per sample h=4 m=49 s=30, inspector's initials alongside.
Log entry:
h=1 m=26 s=25
